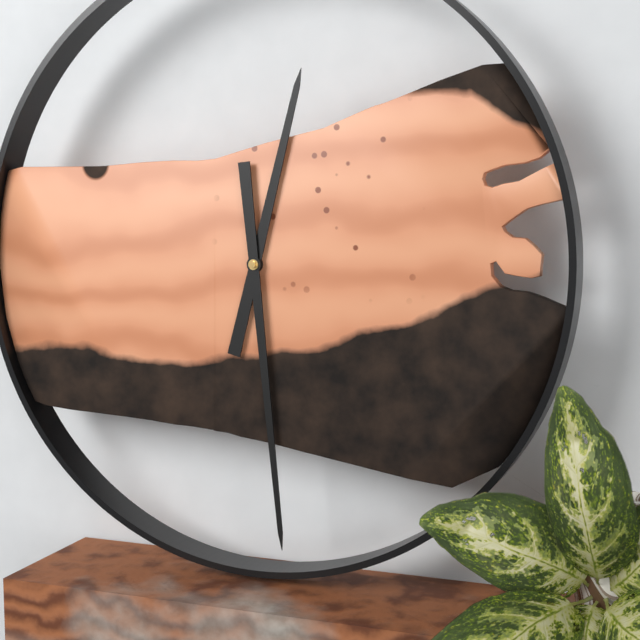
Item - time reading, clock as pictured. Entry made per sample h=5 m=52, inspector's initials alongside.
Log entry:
h=12 m=29
